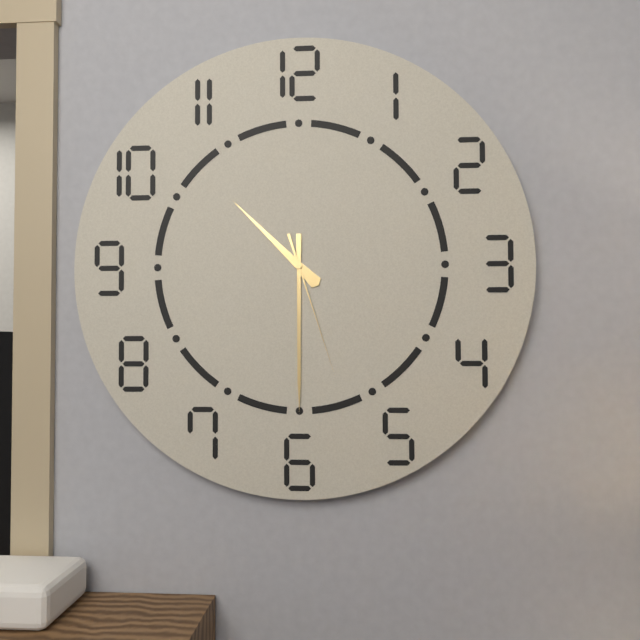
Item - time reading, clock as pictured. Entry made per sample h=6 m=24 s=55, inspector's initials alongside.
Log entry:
h=10 m=30 s=27
